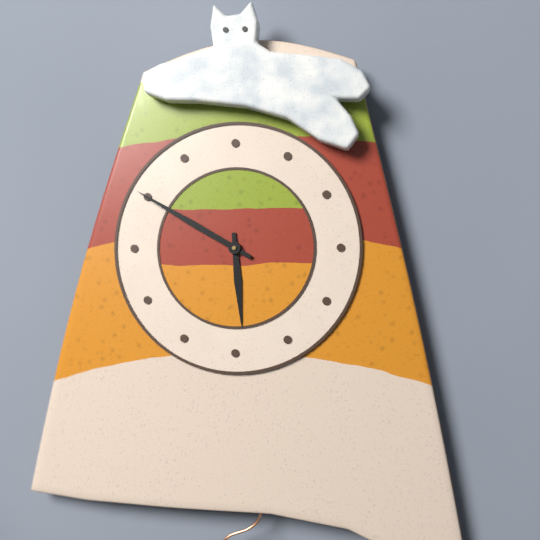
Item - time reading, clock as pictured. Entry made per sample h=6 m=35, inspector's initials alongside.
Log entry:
h=5 m=50
